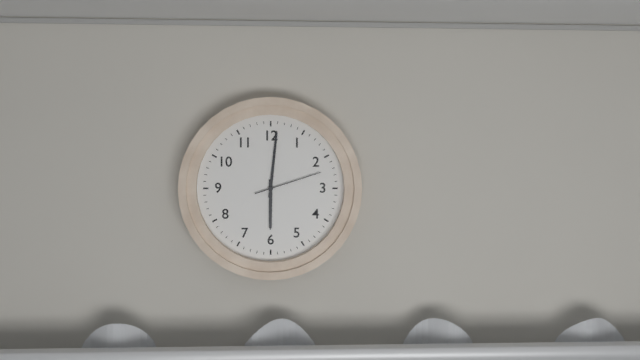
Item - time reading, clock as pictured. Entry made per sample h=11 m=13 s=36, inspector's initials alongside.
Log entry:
h=6 m=1 s=12
